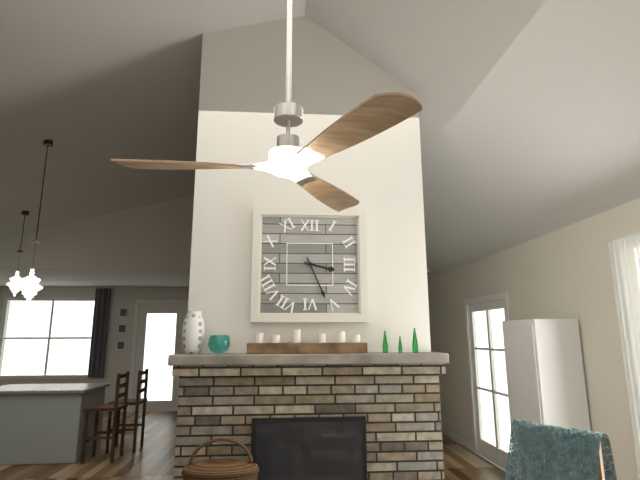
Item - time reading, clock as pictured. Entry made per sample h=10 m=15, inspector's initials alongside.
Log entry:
h=3 m=26
